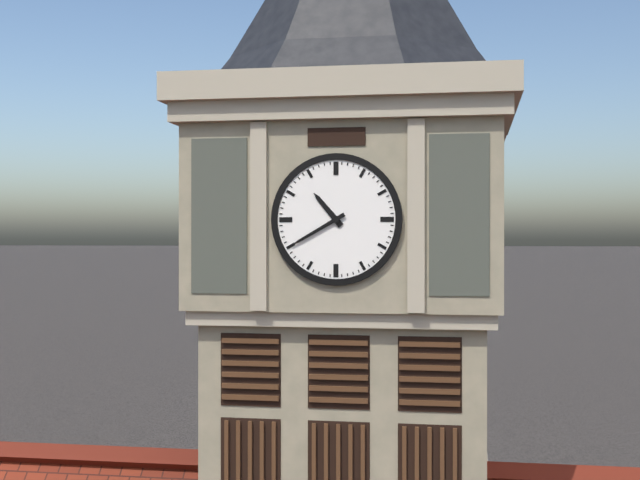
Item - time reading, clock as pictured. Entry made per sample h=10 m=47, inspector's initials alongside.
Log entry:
h=10 m=40
